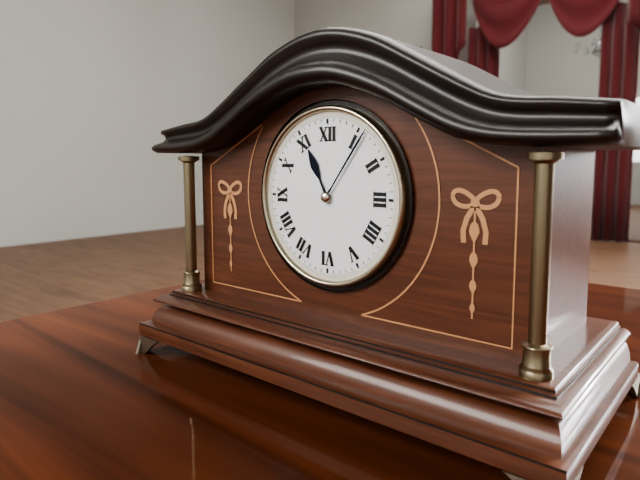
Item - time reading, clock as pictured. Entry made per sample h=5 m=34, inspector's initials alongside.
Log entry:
h=11 m=6
